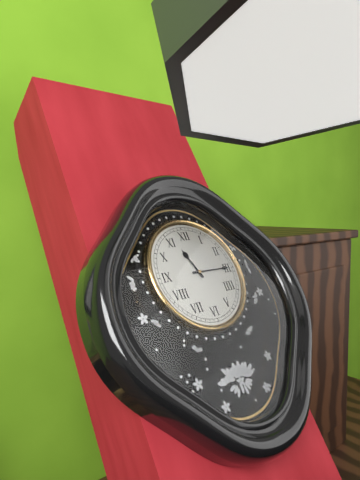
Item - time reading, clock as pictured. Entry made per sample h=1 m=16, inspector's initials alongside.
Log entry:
h=11 m=15
